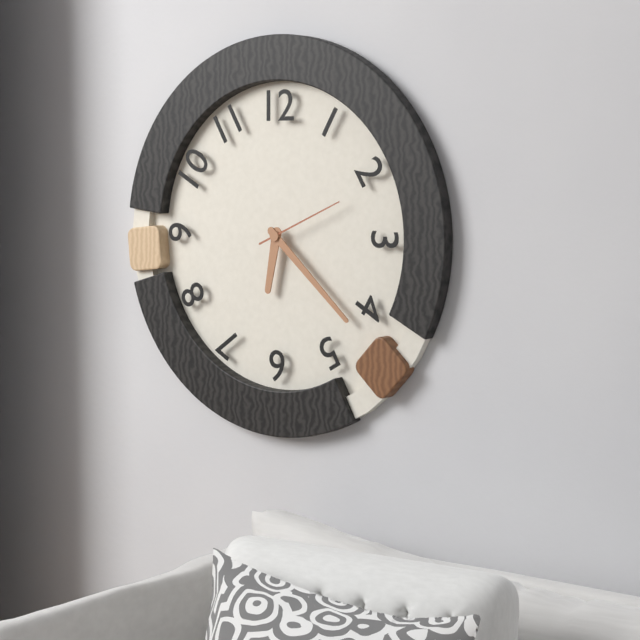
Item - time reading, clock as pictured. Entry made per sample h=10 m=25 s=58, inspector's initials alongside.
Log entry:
h=6 m=22 s=11
